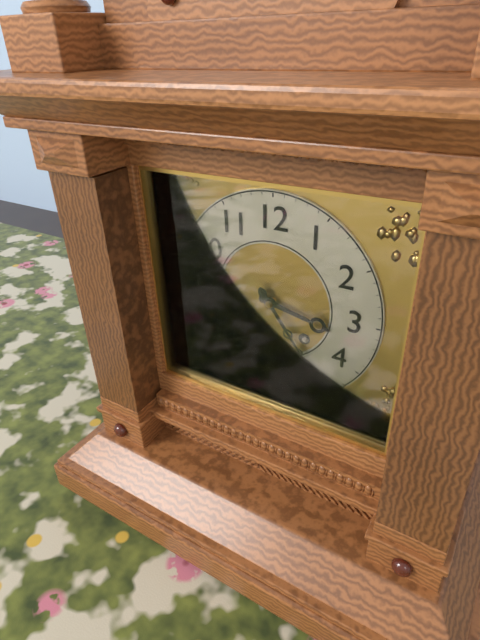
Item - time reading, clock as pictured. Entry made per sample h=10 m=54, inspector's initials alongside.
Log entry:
h=3 m=24
